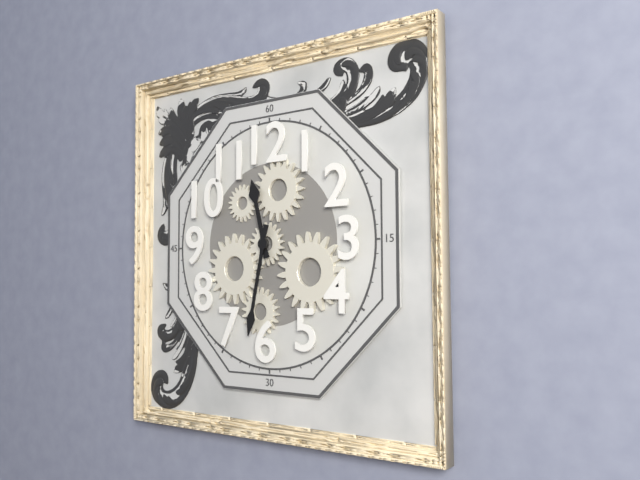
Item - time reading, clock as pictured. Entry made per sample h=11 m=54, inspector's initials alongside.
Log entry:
h=11 m=32
